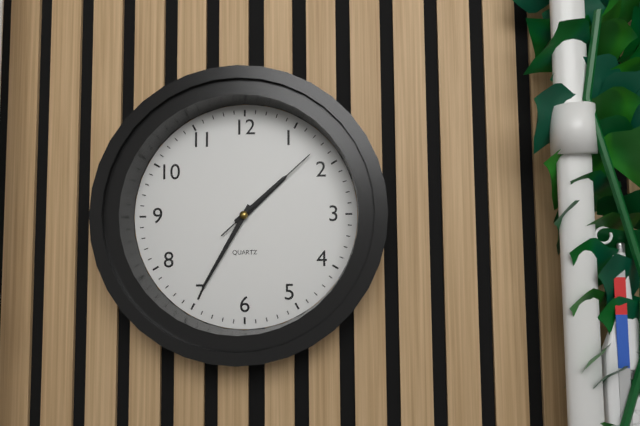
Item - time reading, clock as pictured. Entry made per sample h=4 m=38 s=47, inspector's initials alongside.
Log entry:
h=1 m=35 s=8
